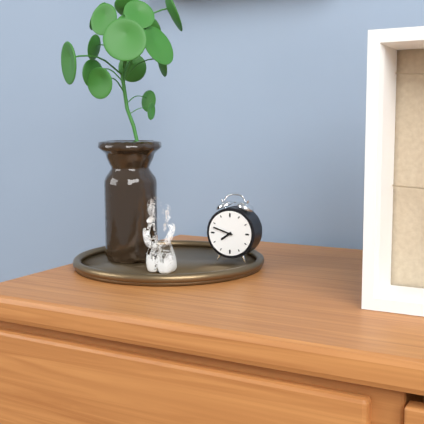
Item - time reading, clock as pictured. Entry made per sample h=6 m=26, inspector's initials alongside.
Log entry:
h=7 m=48
